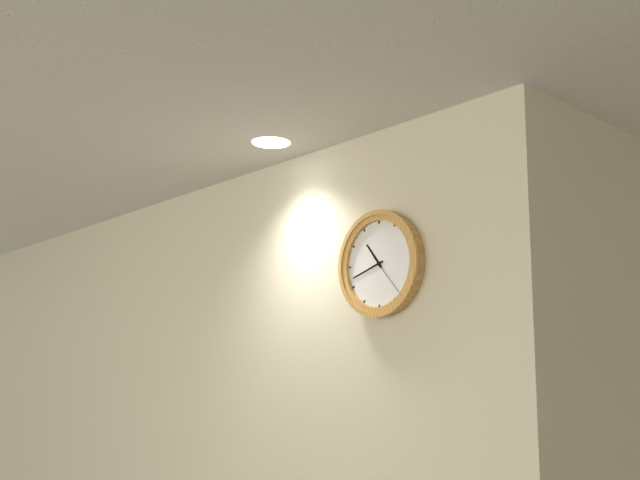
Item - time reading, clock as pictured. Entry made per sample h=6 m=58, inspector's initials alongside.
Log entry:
h=10 m=42
